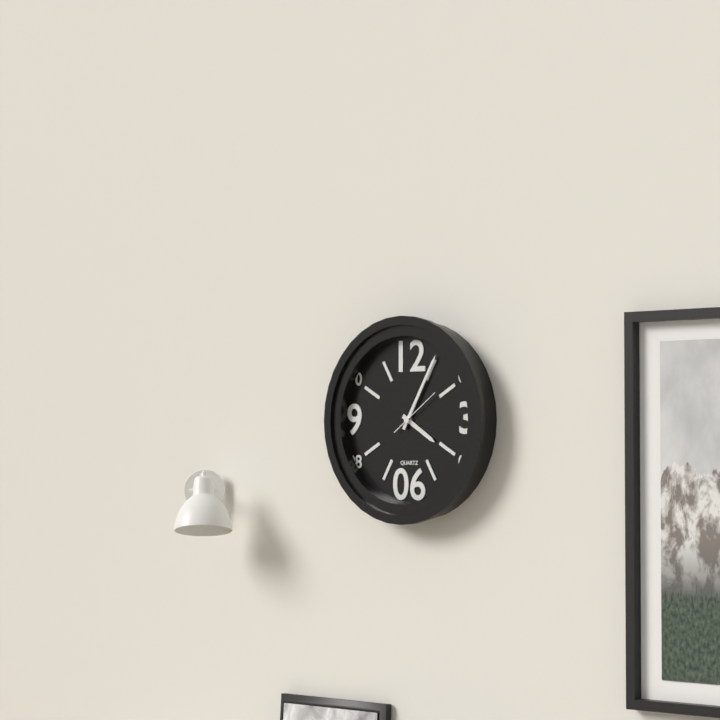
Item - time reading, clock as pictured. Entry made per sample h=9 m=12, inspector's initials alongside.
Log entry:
h=4 m=5
